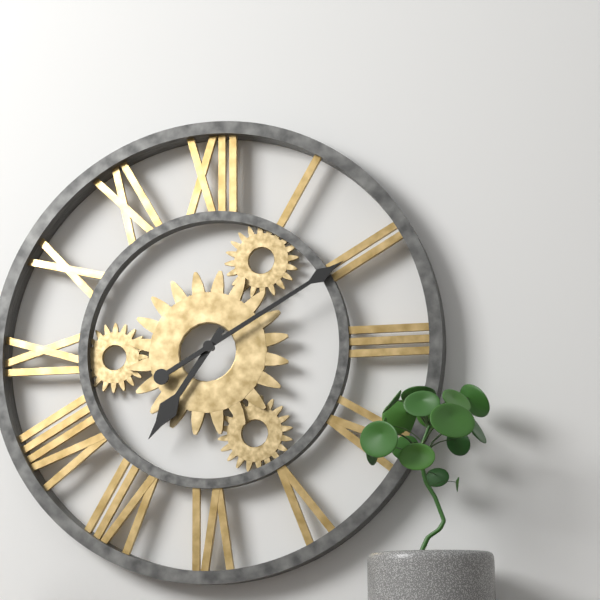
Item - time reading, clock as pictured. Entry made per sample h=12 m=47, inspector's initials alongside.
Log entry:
h=7 m=10
